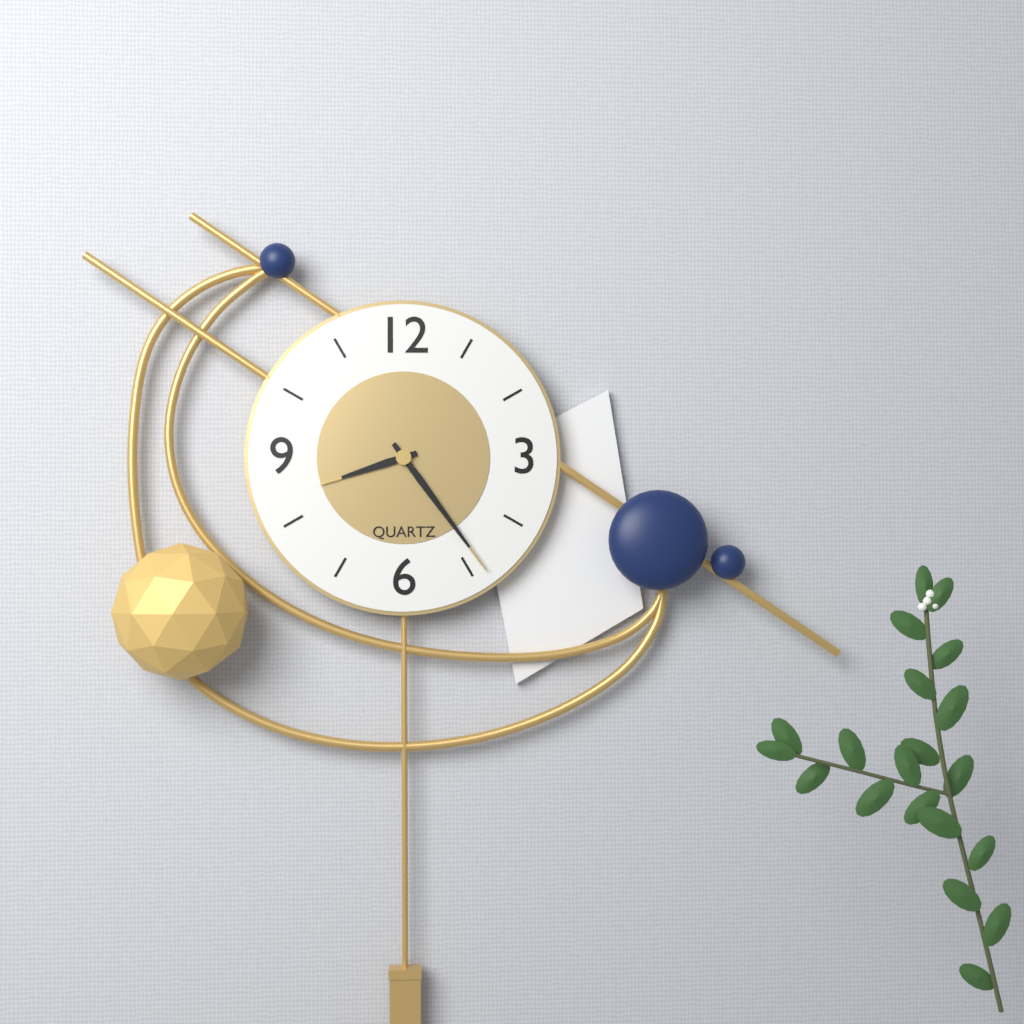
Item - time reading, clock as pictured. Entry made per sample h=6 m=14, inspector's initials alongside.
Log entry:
h=8 m=24
